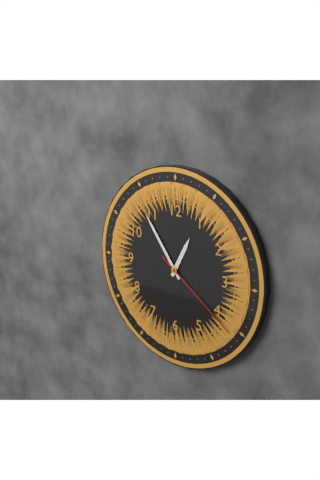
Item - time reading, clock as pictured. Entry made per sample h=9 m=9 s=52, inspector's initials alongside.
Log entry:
h=12 m=54 s=21
